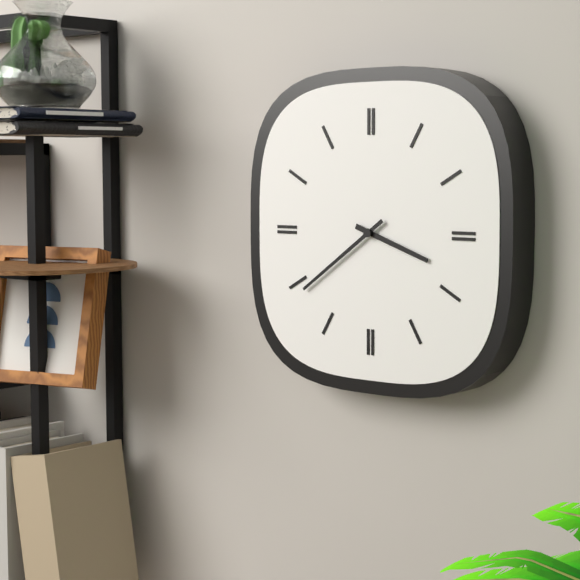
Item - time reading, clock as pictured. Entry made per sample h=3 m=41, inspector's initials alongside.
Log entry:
h=3 m=39
